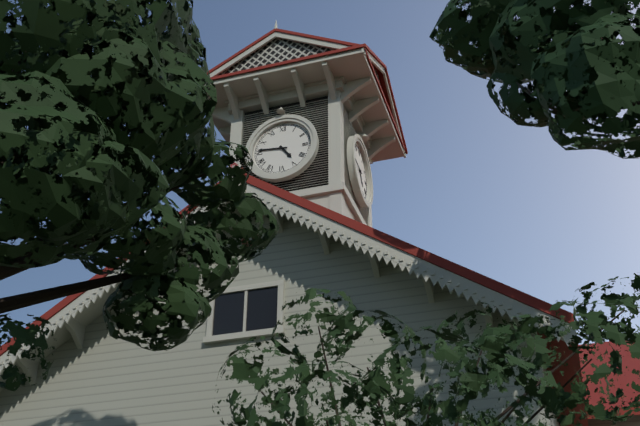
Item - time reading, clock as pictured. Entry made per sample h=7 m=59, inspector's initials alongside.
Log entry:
h=4 m=46
